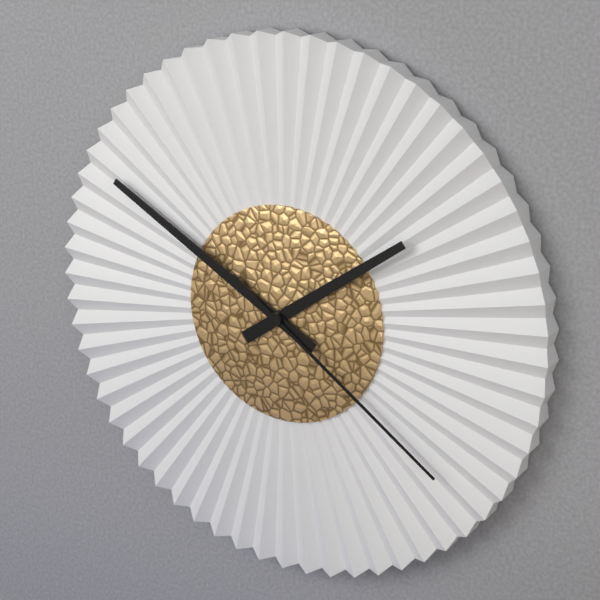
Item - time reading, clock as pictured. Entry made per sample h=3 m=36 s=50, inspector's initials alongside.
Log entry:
h=1 m=50 s=21
